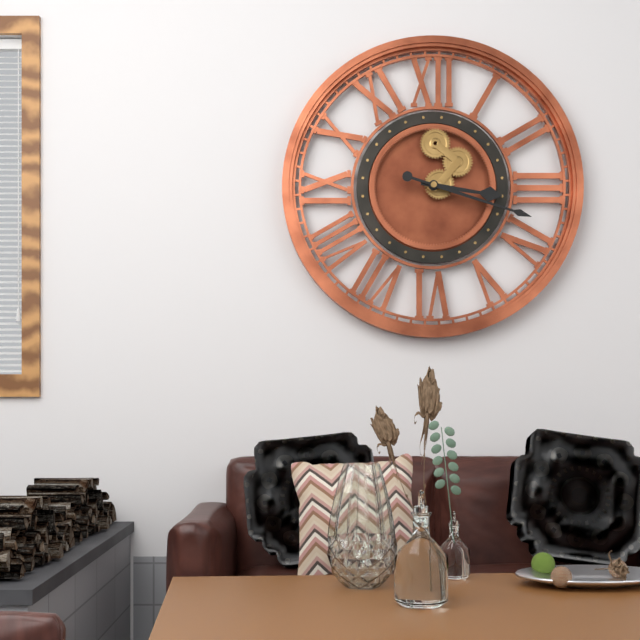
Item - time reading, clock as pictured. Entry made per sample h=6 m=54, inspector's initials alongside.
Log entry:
h=3 m=18
